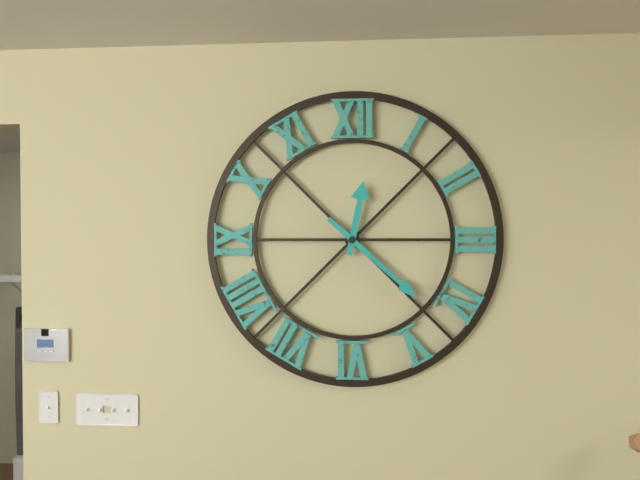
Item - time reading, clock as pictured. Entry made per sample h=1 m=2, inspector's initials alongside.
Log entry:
h=12 m=22
